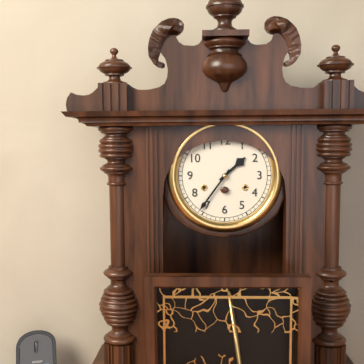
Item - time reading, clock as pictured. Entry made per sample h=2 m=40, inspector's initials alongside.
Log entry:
h=1 m=36
